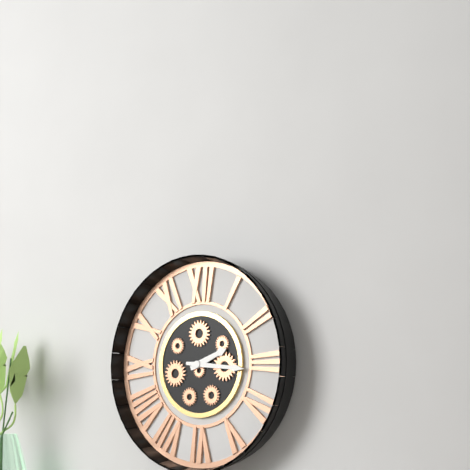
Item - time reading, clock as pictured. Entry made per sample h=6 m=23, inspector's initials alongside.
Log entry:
h=2 m=16
